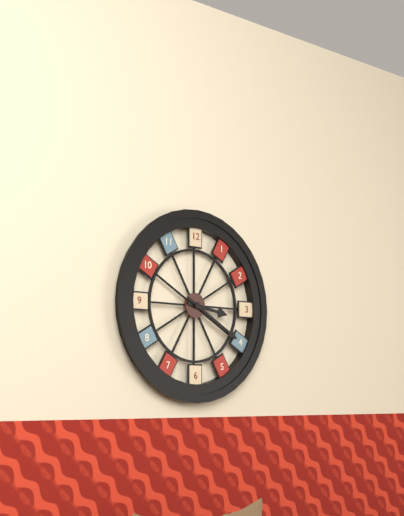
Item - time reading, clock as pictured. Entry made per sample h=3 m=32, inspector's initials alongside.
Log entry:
h=3 m=20
